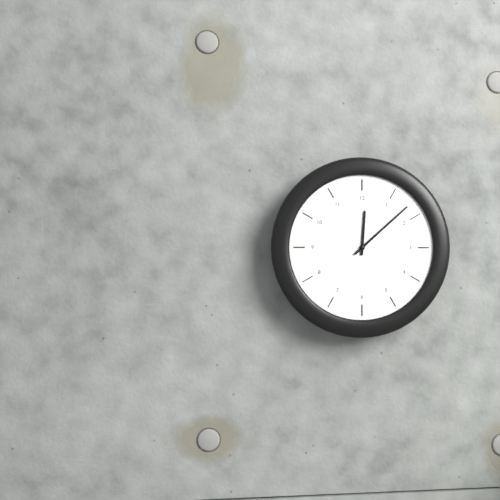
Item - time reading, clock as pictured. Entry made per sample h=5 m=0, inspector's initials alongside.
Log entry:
h=12 m=8
